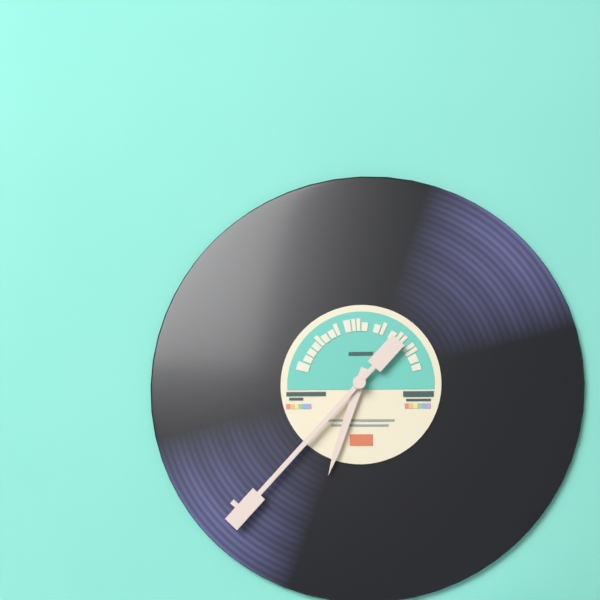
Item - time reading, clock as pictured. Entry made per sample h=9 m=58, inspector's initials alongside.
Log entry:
h=6 m=37
